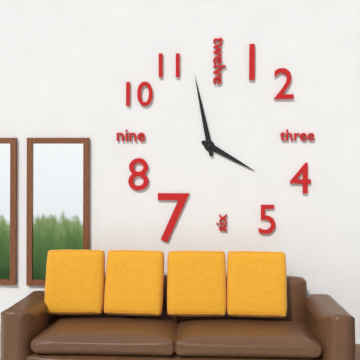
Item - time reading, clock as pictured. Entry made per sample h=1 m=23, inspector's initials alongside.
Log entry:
h=3 m=58
